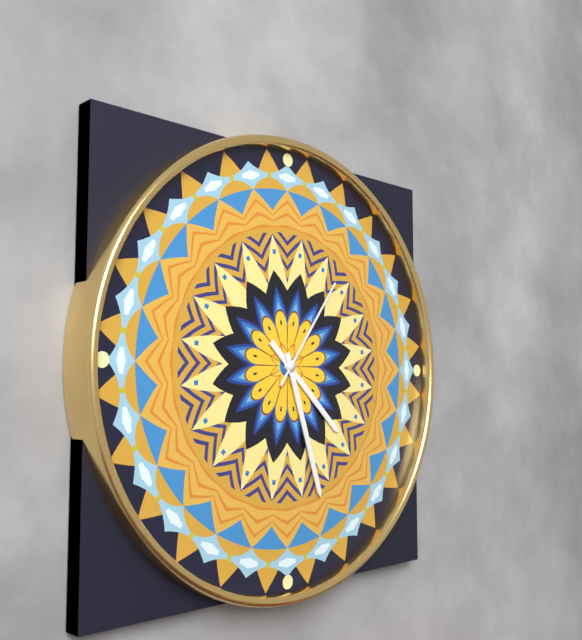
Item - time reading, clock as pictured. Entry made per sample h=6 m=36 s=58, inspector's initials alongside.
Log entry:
h=4 m=27 s=6
